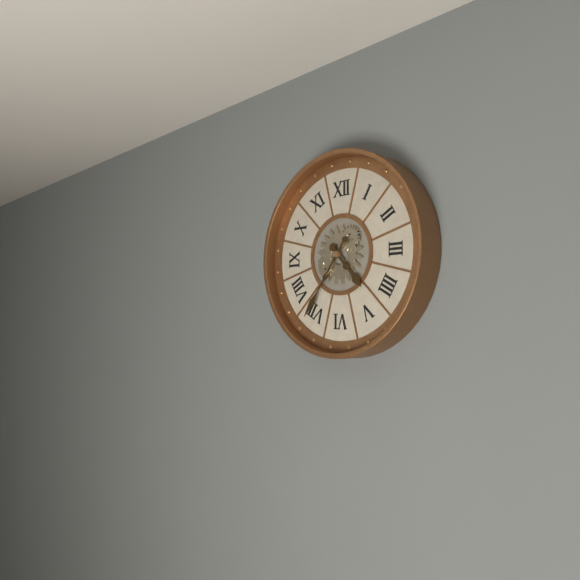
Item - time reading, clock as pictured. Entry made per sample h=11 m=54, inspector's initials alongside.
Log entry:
h=4 m=36
